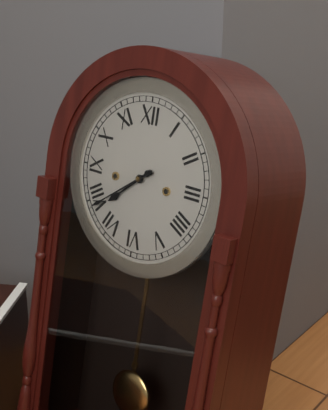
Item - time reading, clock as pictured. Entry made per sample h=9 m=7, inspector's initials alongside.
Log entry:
h=7 m=39
